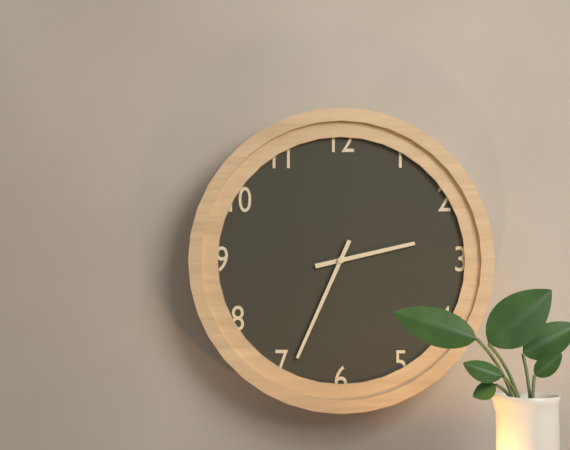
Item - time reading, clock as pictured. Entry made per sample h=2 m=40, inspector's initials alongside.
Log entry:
h=2 m=34
